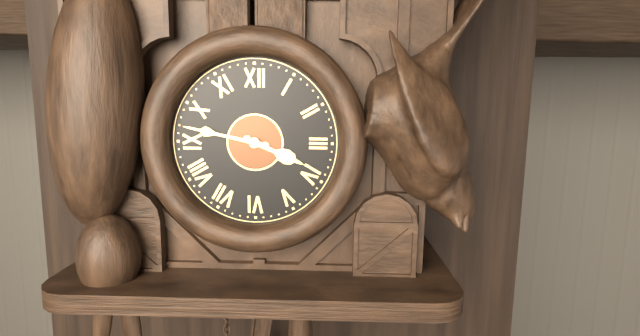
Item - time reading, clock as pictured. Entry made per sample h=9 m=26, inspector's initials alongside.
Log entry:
h=3 m=47
